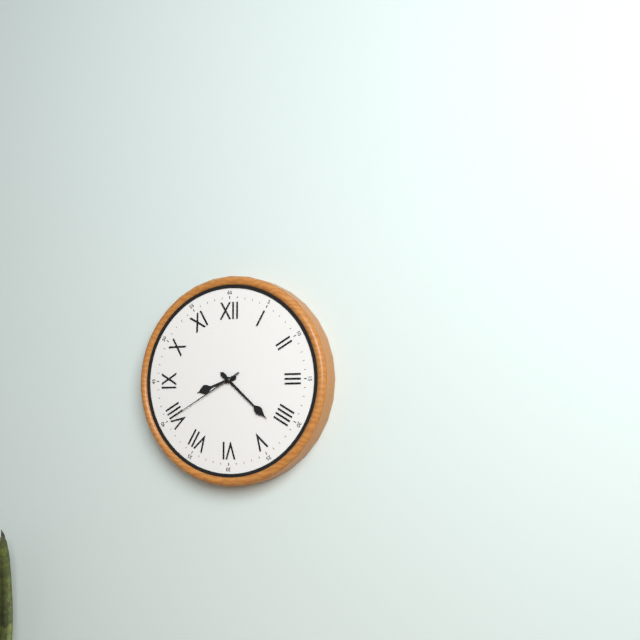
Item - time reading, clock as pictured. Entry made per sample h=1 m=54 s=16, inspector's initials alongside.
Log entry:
h=8 m=22 s=40
